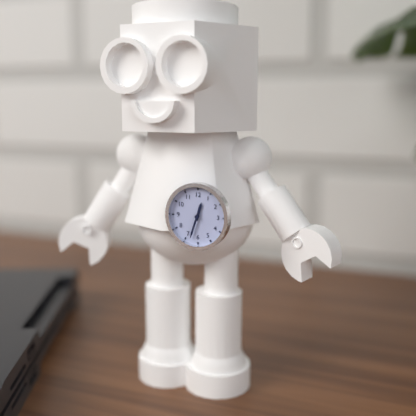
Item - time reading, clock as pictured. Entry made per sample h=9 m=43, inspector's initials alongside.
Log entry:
h=12 m=33
